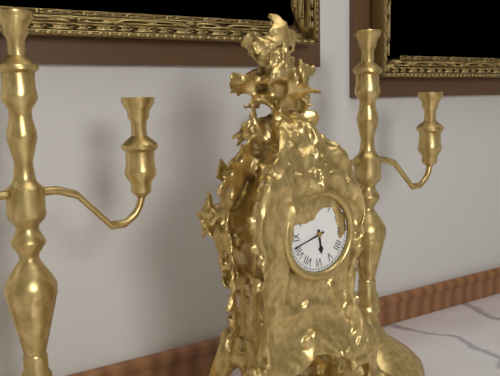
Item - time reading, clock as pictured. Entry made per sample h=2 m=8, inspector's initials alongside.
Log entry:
h=5 m=42
